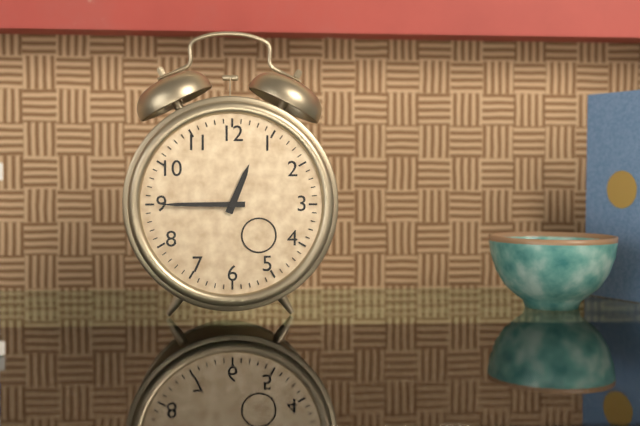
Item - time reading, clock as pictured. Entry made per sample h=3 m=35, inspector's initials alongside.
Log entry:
h=12 m=45
